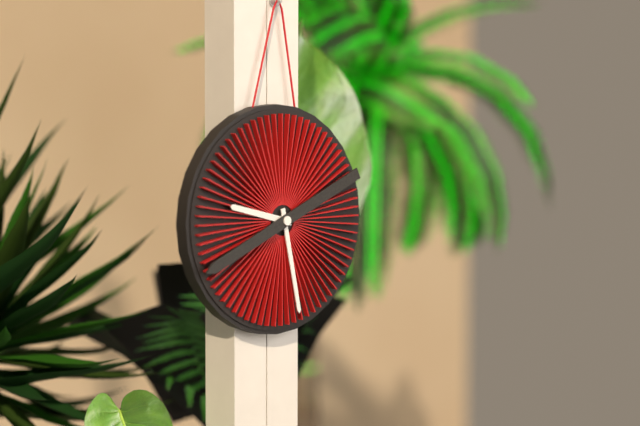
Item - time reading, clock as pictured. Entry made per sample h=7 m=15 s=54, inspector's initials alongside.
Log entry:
h=9 m=28 s=41
